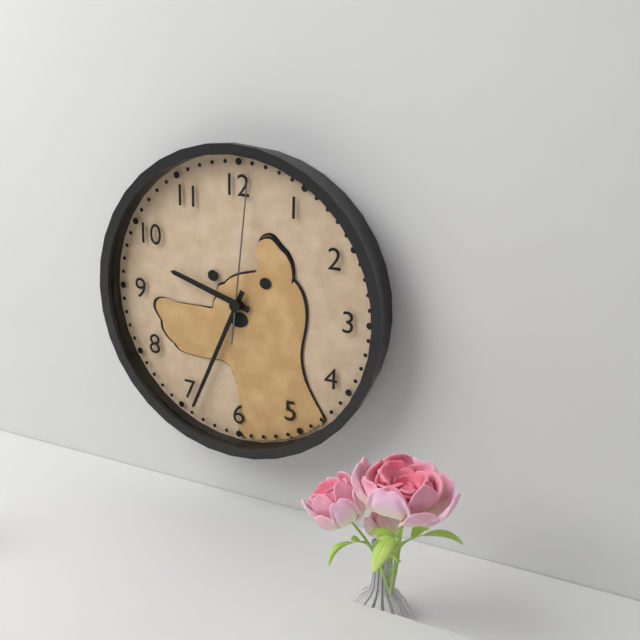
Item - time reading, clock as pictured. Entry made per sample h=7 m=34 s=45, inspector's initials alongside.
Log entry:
h=9 m=34 s=1
